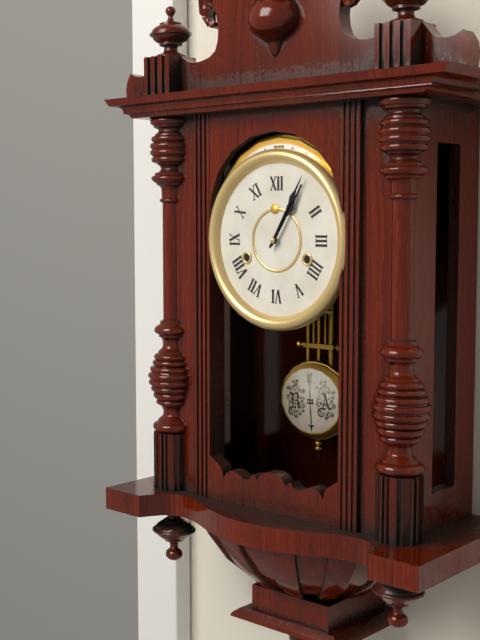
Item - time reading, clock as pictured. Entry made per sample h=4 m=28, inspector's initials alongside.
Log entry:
h=1 m=5
